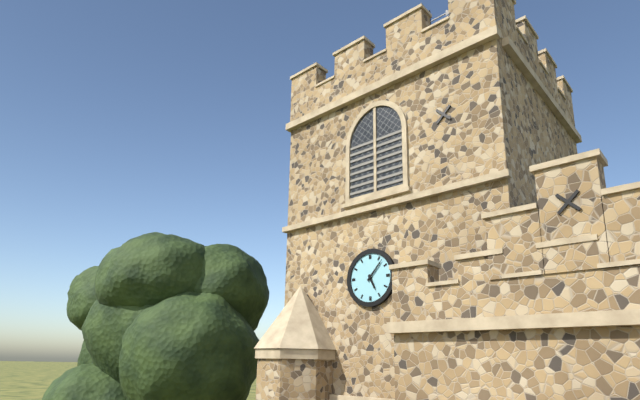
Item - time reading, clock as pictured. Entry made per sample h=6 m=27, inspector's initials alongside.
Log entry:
h=5 m=7
